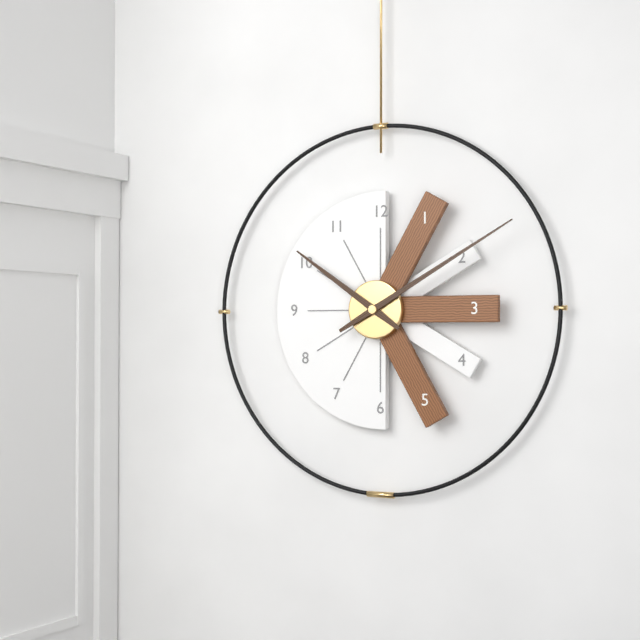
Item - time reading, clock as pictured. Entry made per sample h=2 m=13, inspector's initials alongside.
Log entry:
h=10 m=10
